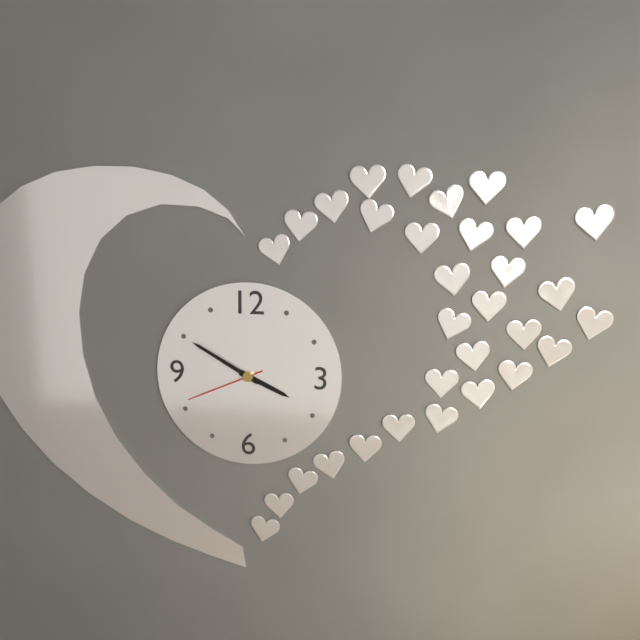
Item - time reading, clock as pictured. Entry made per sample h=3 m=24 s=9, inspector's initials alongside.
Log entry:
h=3 m=50 s=41
